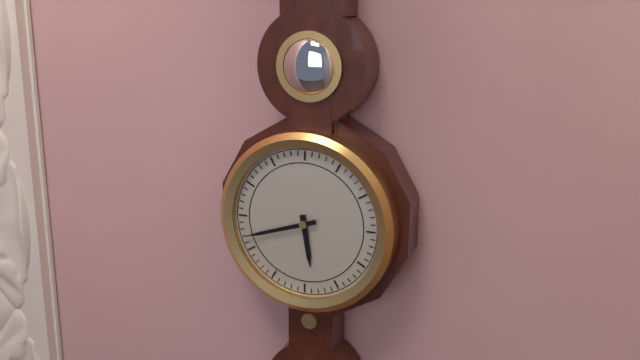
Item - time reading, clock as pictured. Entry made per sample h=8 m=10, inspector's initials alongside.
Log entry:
h=5 m=42
